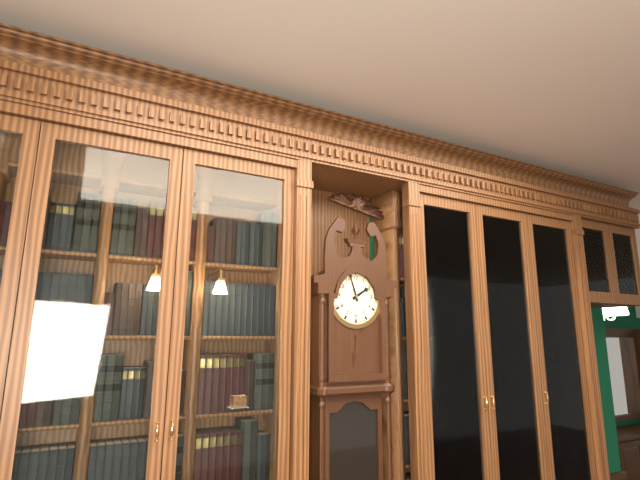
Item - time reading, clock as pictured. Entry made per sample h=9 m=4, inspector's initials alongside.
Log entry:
h=1 m=57
